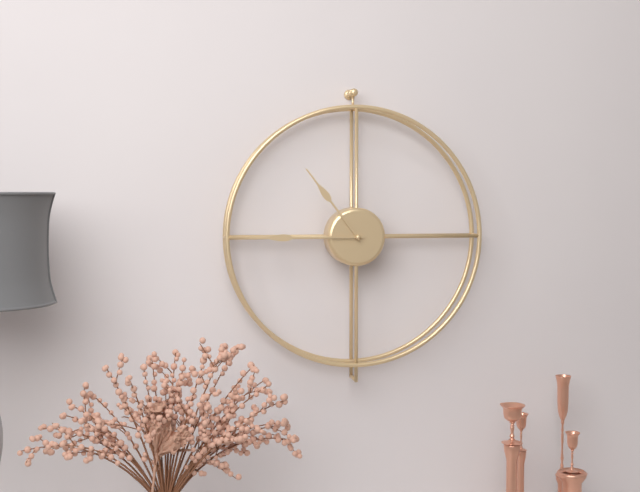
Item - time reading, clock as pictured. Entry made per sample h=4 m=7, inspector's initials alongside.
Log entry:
h=10 m=45
